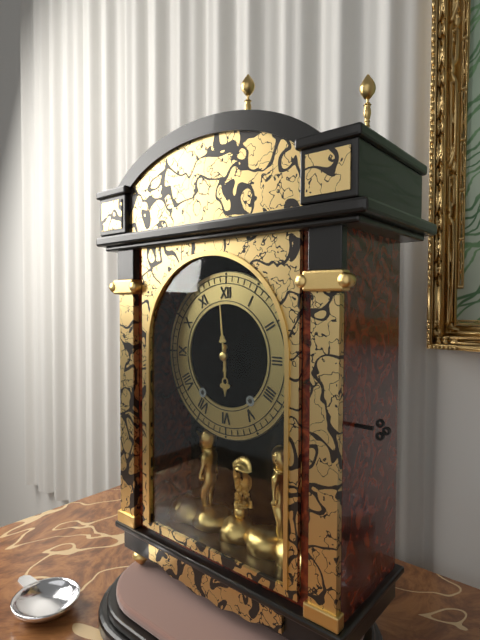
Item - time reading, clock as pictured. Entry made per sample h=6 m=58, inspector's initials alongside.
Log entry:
h=5 m=59
